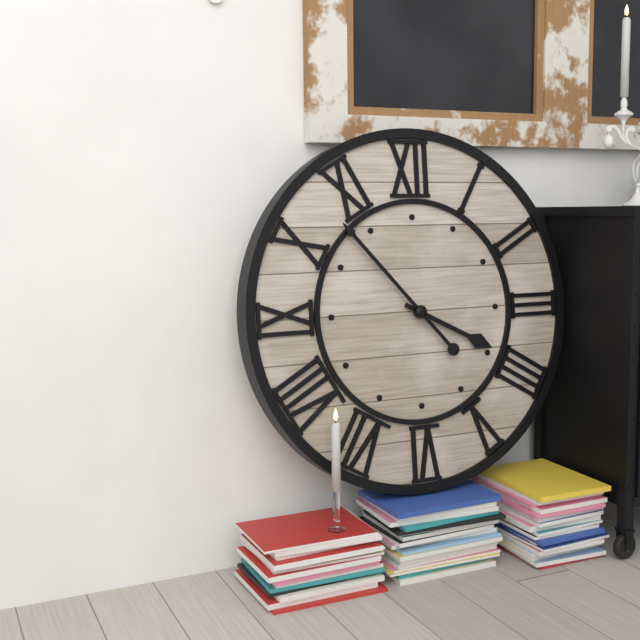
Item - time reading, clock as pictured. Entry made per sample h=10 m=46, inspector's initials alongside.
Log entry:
h=3 m=53
